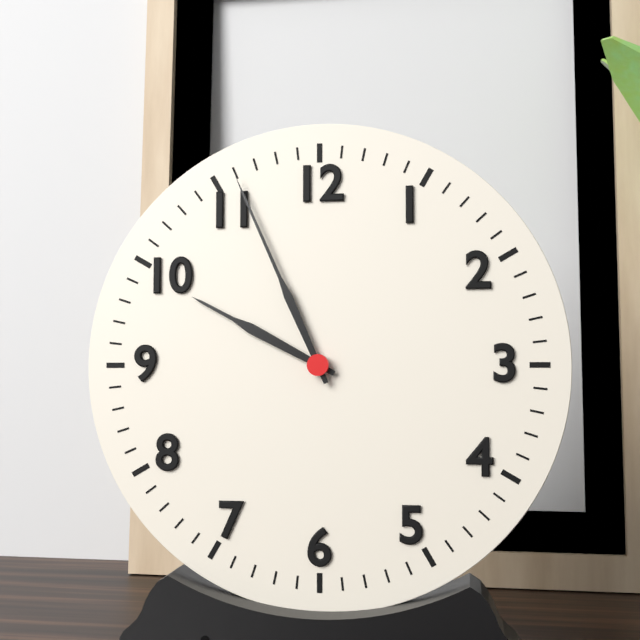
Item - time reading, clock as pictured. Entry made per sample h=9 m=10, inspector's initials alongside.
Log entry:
h=9 m=56
